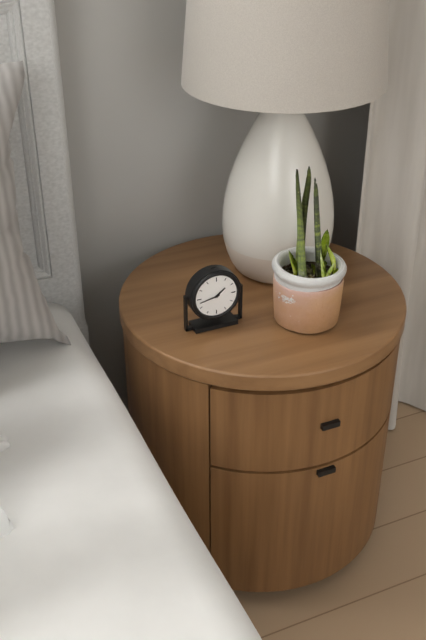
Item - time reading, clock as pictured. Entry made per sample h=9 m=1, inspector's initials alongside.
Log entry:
h=1 m=43
